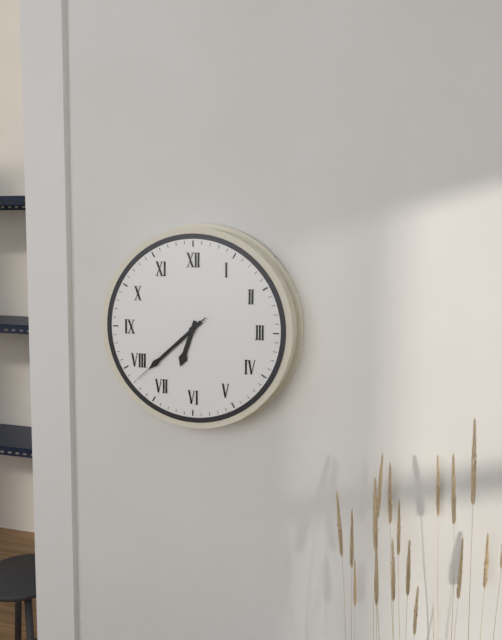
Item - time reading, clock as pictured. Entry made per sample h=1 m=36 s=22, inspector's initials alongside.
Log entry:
h=6 m=38 s=38
